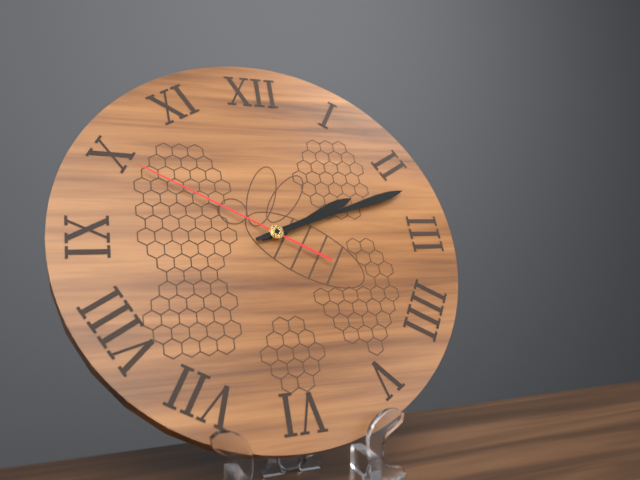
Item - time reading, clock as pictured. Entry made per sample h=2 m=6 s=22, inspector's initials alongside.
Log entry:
h=2 m=12 s=50
